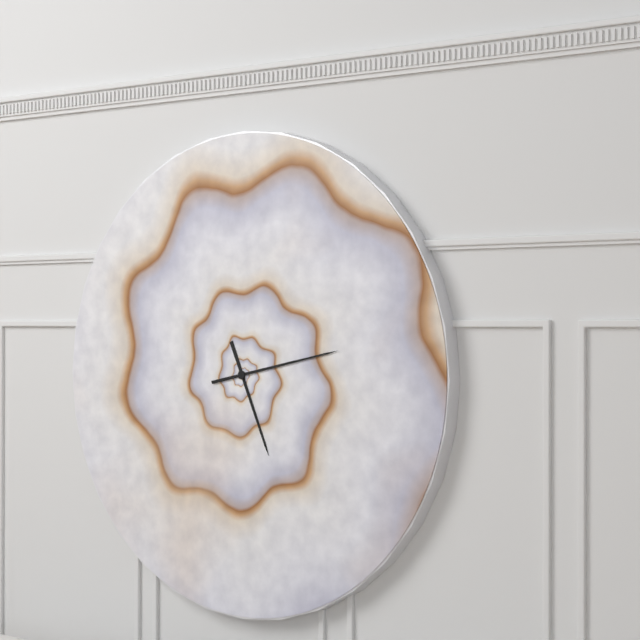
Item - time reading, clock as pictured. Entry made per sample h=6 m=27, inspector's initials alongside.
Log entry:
h=5 m=13
